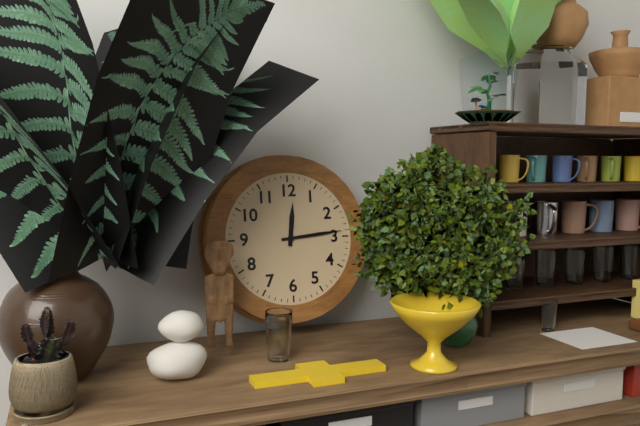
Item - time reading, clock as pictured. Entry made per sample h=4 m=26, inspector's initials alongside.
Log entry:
h=12 m=14
